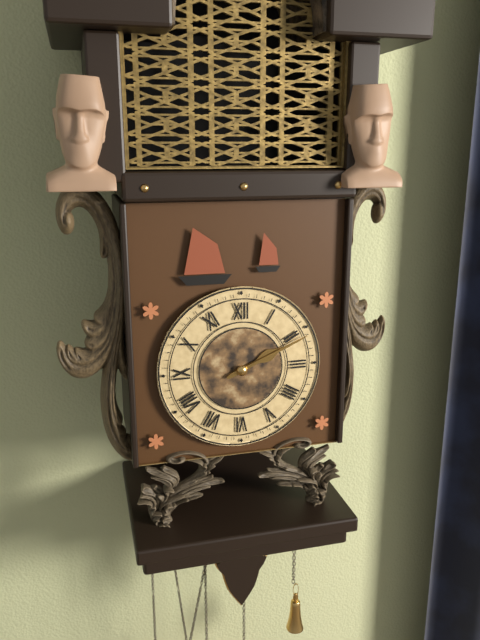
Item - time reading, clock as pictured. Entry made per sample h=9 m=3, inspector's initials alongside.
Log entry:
h=2 m=11
